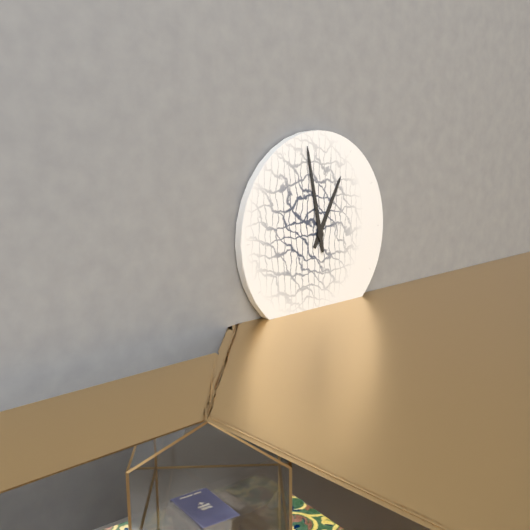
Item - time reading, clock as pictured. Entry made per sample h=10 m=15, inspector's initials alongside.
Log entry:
h=12 m=58
